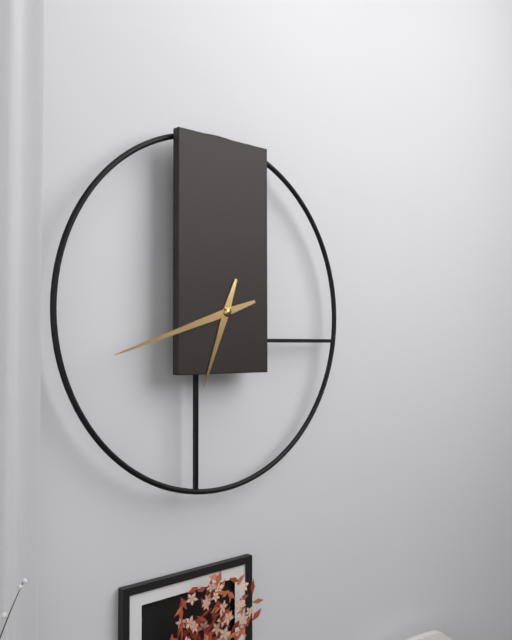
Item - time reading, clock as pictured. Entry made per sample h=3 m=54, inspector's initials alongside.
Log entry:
h=6 m=42
